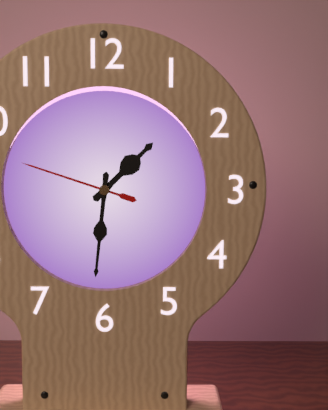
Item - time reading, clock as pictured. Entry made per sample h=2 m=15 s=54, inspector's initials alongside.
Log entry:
h=1 m=31 s=48
